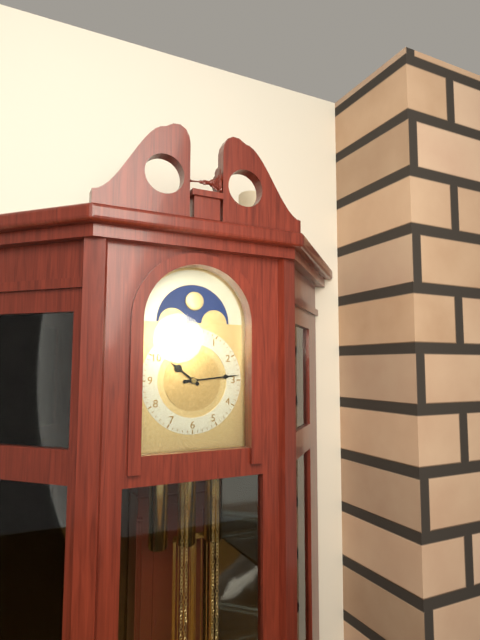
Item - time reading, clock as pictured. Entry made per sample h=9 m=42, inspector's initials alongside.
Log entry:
h=10 m=14
